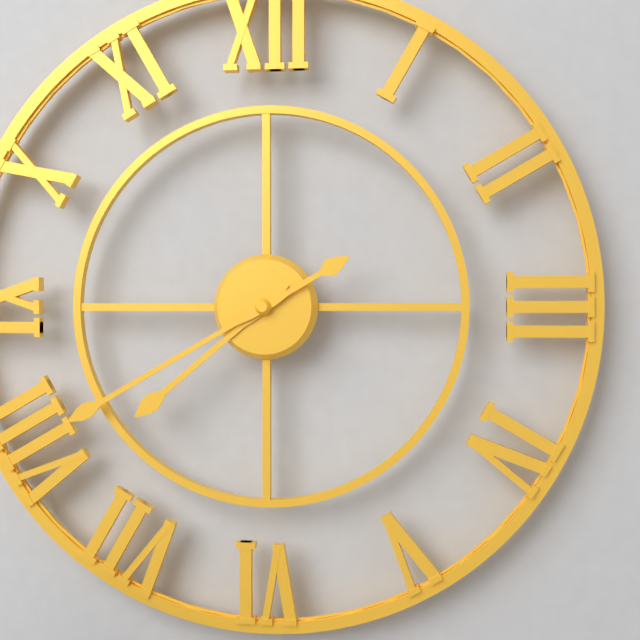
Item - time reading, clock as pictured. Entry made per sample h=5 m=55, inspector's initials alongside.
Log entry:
h=7 m=40
